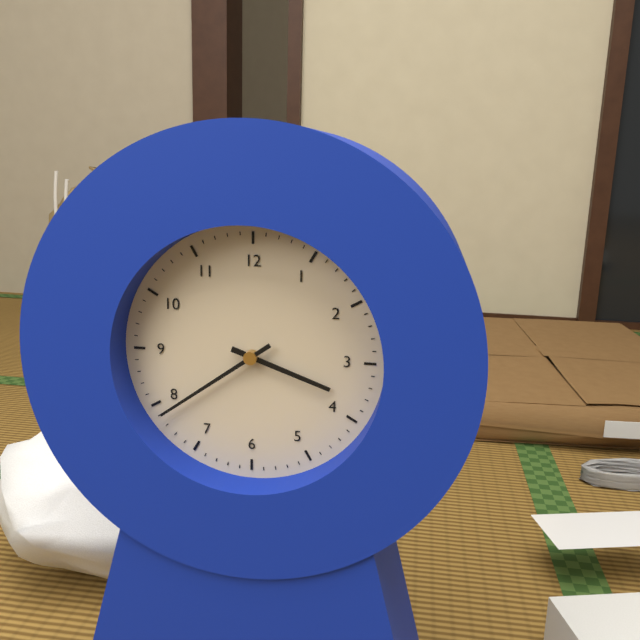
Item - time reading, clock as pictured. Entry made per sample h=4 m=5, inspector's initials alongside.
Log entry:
h=3 m=39
